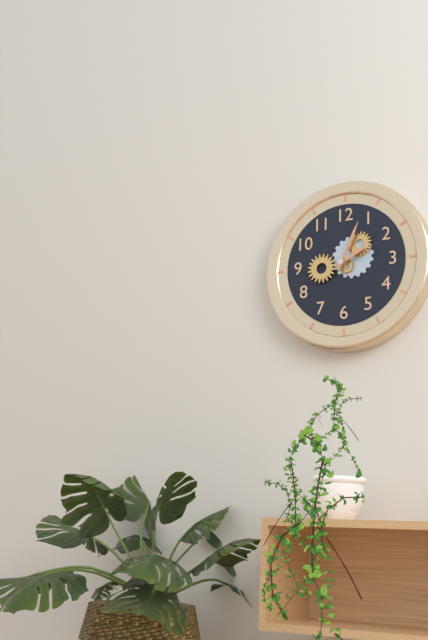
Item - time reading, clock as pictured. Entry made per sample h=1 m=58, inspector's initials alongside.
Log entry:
h=2 m=4
